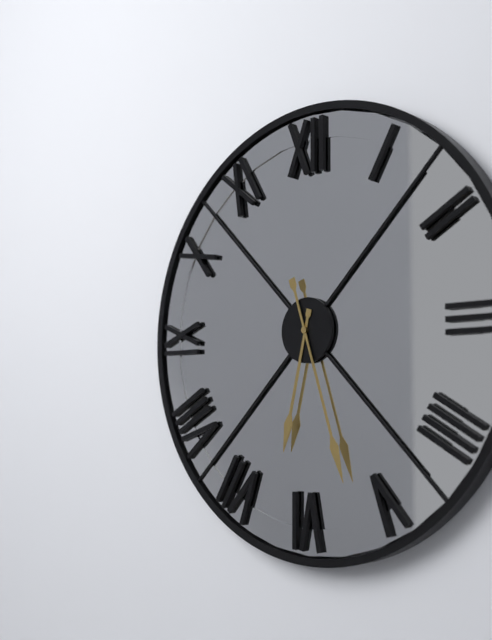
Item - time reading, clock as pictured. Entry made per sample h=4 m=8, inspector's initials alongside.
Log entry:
h=6 m=27
